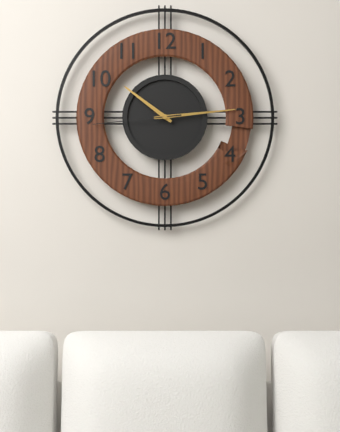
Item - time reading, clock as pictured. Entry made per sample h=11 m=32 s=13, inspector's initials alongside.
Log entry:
h=10 m=14 s=44
